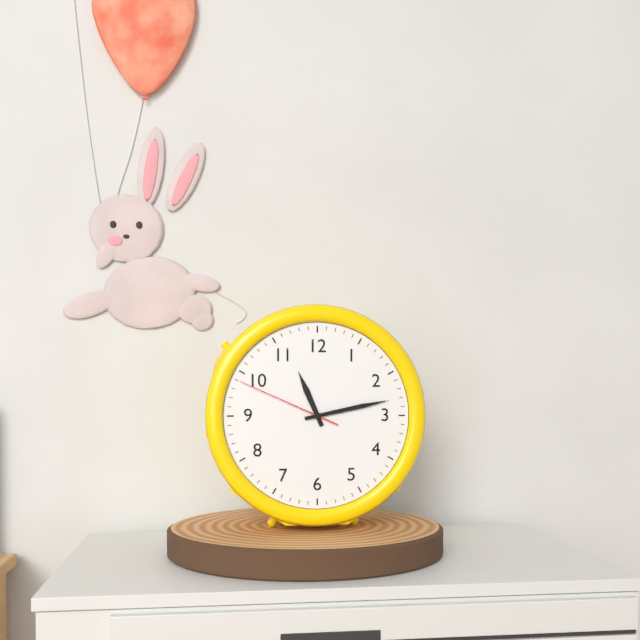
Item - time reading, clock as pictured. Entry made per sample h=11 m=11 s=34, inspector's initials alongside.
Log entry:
h=11 m=13 s=49
